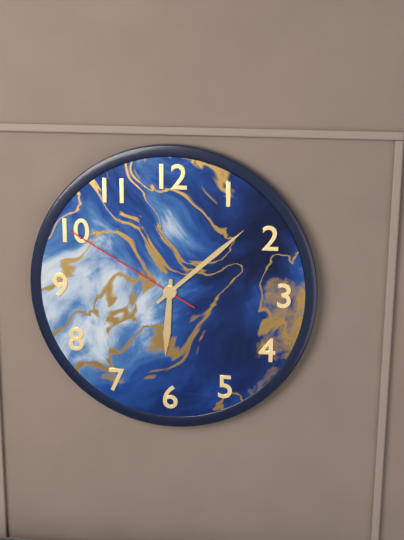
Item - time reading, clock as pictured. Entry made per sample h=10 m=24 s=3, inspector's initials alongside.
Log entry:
h=6 m=8 s=50
